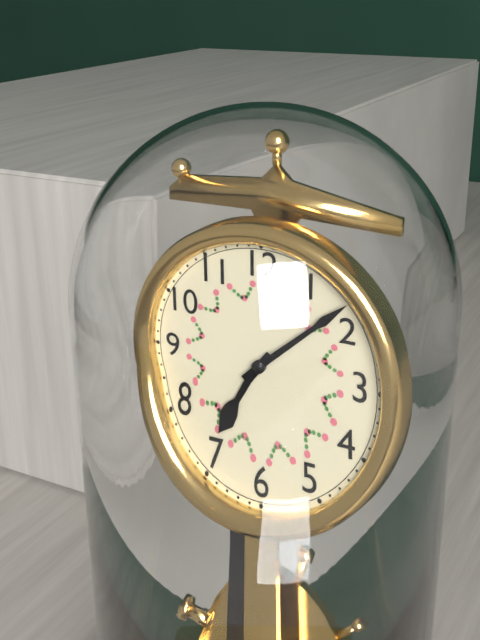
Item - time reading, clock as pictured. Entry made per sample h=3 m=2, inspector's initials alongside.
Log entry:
h=7 m=8
